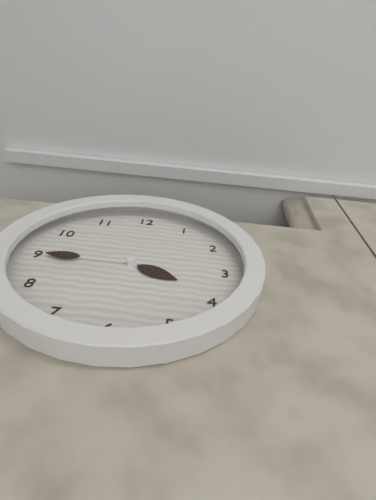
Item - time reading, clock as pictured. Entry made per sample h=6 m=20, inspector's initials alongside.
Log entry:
h=3 m=45
